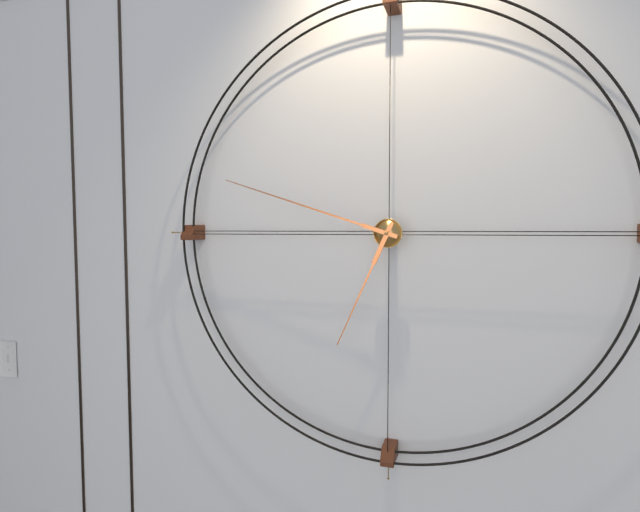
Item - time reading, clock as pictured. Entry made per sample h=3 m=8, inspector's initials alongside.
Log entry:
h=6 m=48
